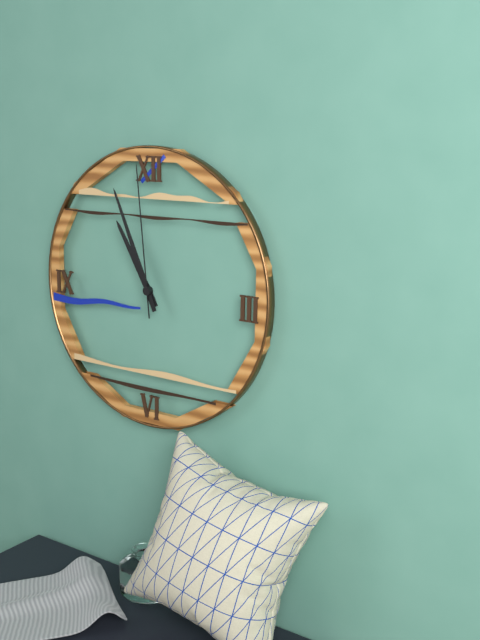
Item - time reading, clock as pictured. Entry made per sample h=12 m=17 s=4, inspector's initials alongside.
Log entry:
h=10 m=56 s=59
